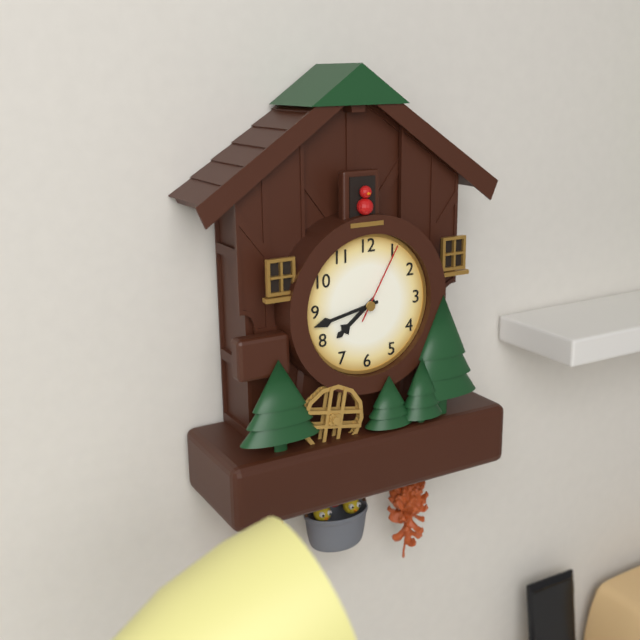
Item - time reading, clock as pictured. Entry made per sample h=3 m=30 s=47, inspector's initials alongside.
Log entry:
h=7 m=43 s=5
